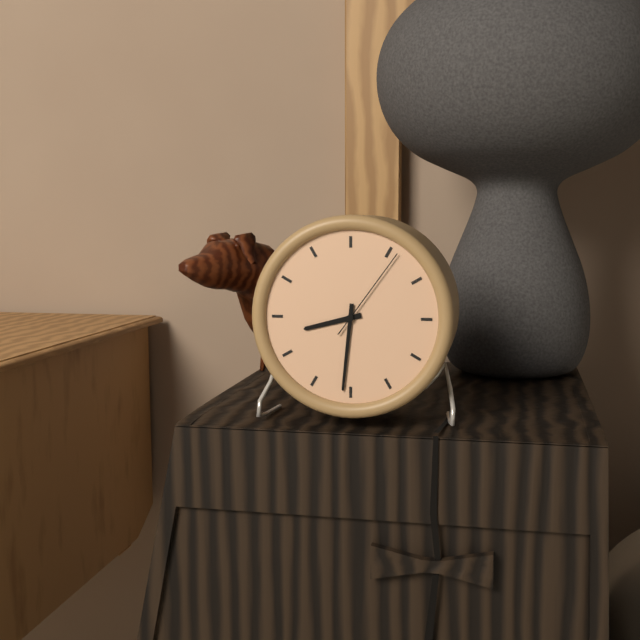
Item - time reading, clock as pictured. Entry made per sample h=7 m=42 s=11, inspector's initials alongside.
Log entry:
h=8 m=31 s=6
